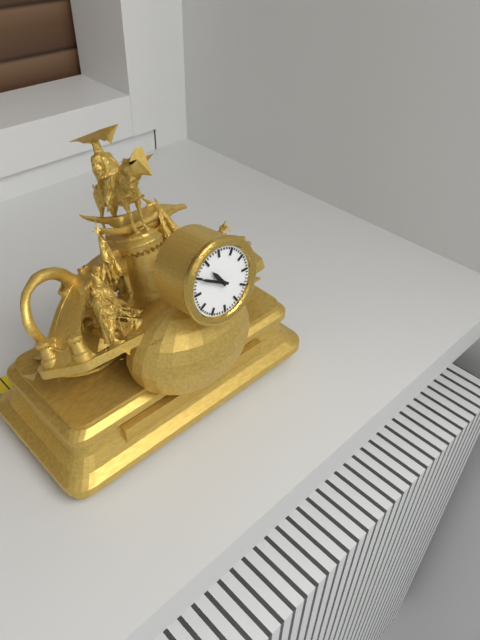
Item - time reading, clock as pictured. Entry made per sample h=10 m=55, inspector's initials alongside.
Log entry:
h=10 m=50
